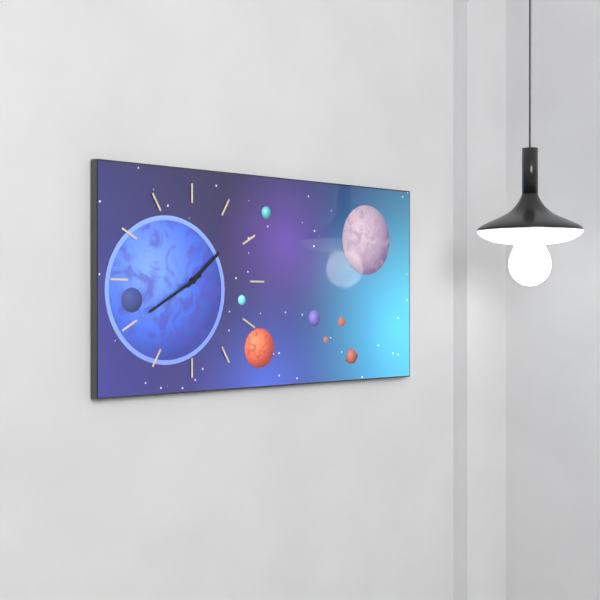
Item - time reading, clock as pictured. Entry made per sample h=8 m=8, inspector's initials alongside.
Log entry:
h=1 m=40
